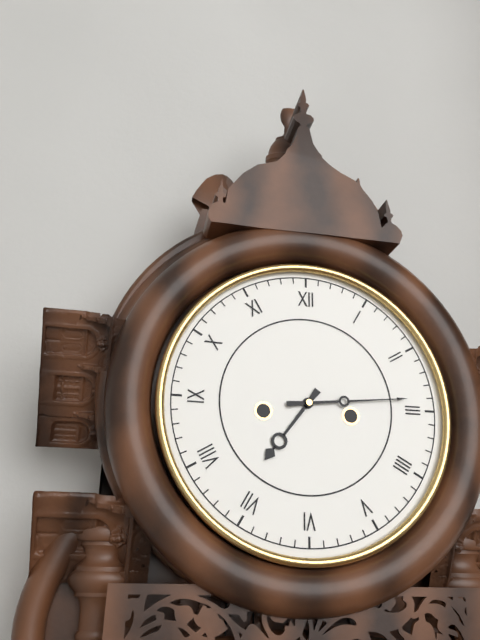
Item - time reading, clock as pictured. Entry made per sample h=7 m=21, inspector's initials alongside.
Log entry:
h=7 m=14
